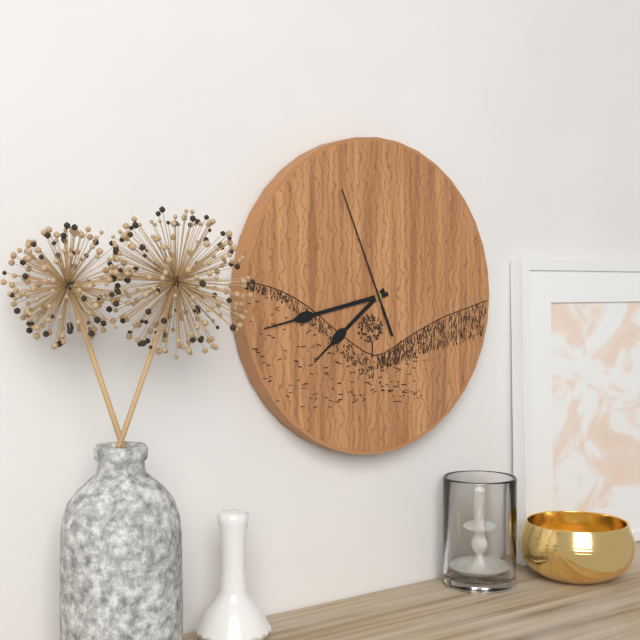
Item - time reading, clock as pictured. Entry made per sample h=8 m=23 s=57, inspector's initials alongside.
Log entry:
h=7 m=43 s=56
